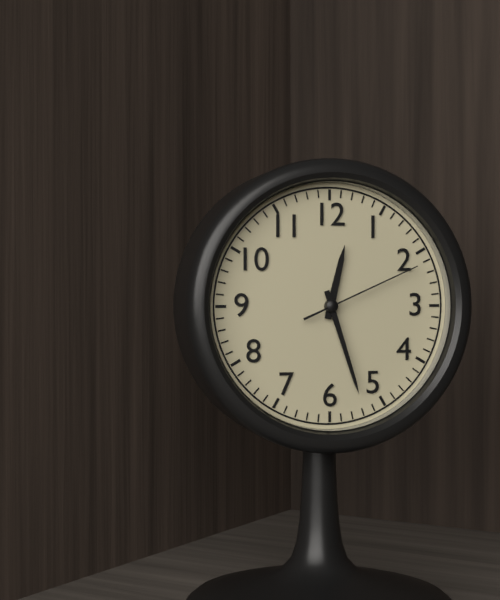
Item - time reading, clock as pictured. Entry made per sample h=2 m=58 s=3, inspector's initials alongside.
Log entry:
h=12 m=27 s=11
